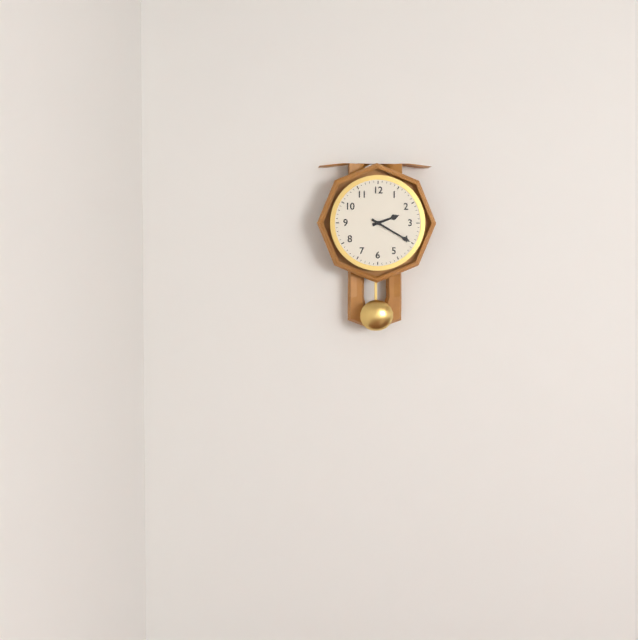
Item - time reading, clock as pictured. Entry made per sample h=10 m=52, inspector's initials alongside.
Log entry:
h=2 m=20
